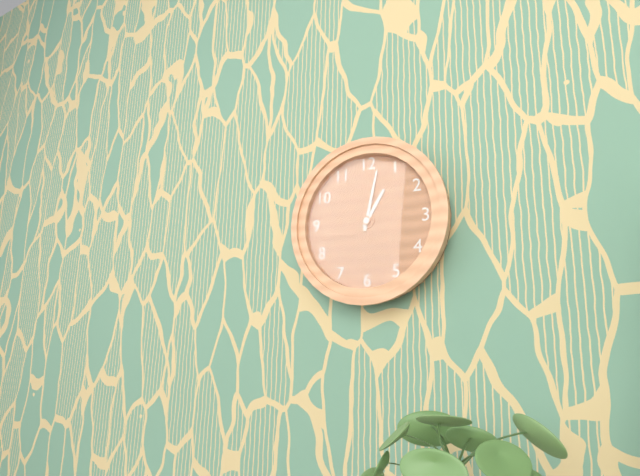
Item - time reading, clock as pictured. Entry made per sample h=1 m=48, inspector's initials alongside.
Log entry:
h=1 m=2
